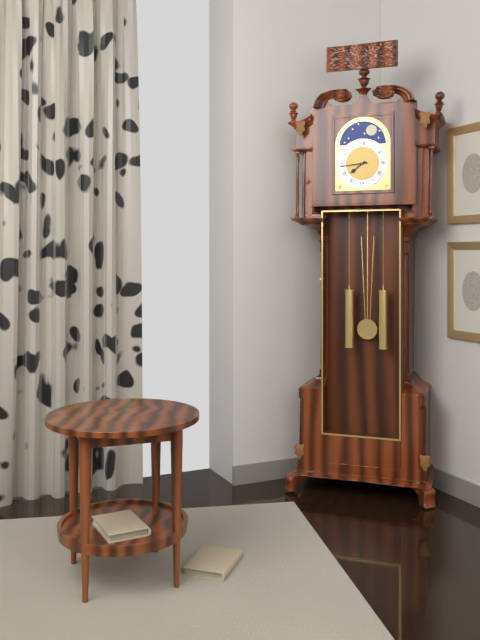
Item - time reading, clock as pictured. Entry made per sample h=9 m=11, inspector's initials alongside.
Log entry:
h=7 m=44
